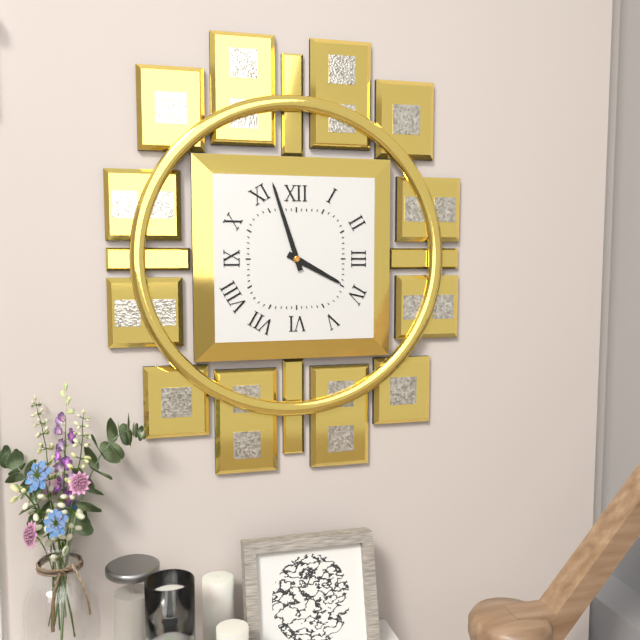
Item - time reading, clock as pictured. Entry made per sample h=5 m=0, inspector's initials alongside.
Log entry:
h=3 m=57
